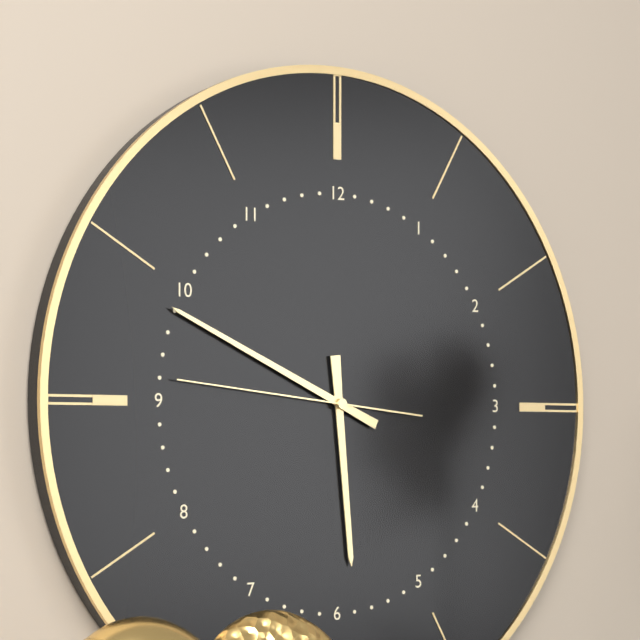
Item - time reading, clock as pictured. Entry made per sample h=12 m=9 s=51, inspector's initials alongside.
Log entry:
h=5 m=49 s=46
